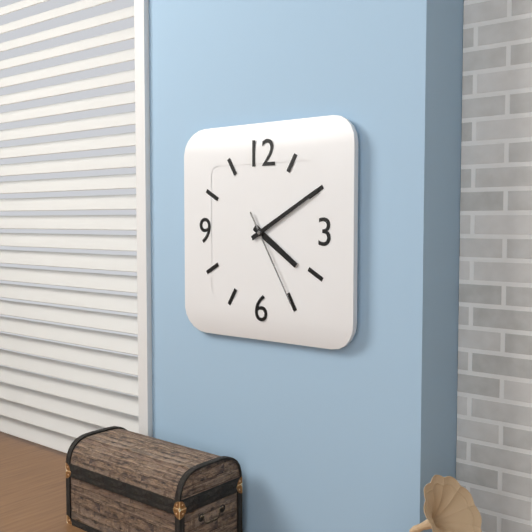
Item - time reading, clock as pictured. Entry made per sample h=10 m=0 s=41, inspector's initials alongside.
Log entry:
h=4 m=10 s=25
